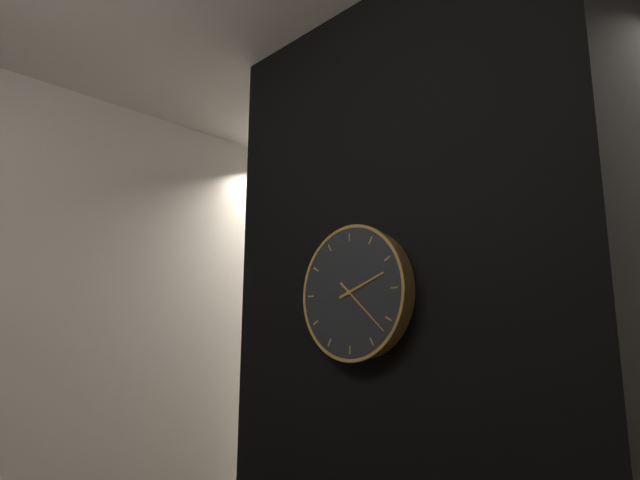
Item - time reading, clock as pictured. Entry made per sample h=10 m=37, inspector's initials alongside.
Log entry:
h=2 m=22
